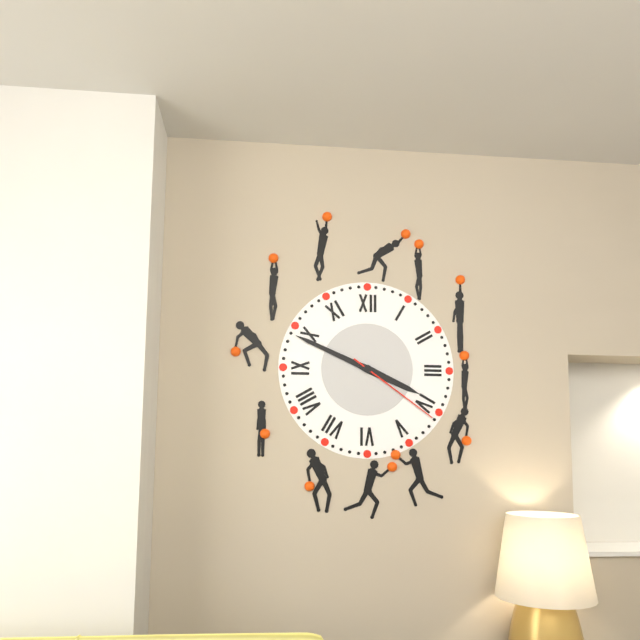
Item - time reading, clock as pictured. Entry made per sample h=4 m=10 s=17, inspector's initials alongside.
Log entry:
h=3 m=49 s=21
